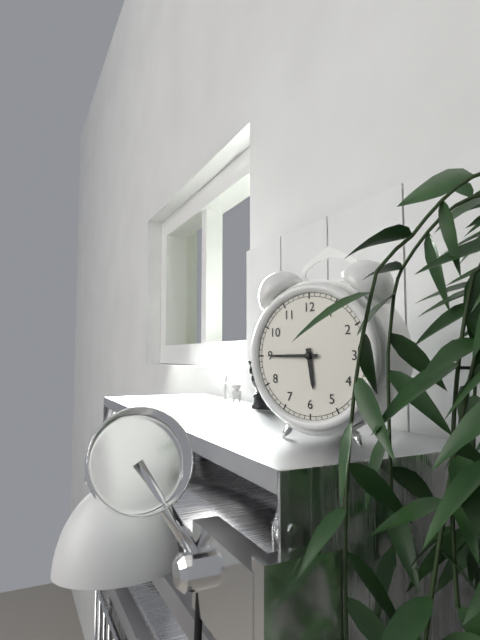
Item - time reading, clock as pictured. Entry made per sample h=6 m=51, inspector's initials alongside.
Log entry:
h=5 m=45
